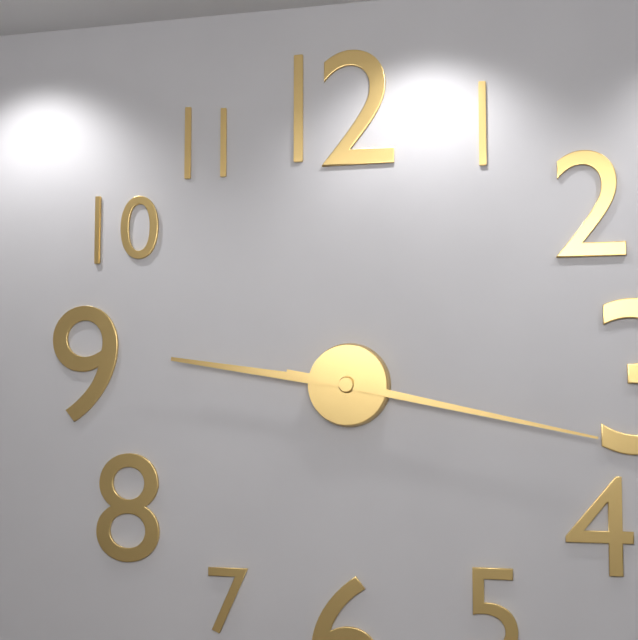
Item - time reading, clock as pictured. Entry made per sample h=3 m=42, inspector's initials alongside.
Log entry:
h=9 m=17
